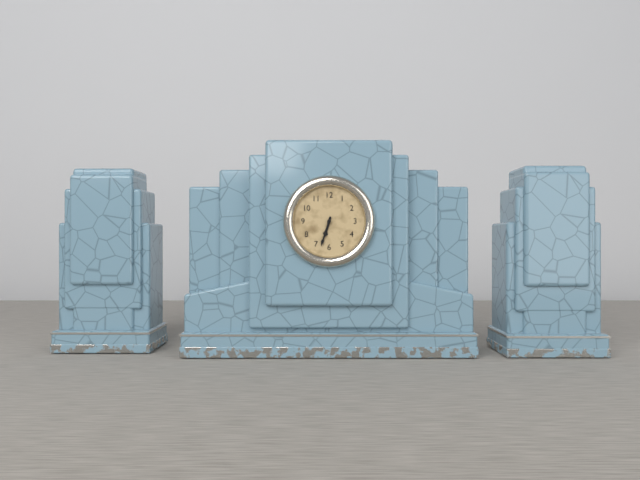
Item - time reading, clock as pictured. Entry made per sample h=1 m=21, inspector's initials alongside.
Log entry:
h=6 m=33
